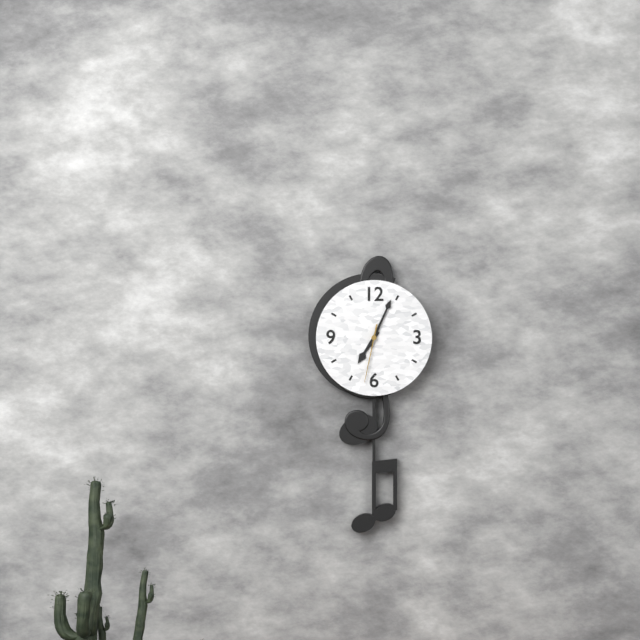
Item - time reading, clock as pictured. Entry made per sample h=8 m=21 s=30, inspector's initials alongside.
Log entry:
h=7 m=4 s=32
